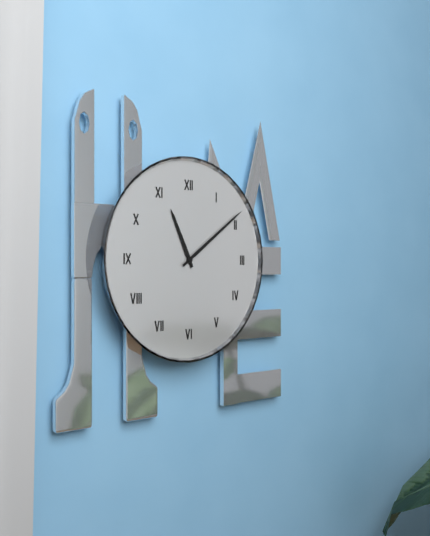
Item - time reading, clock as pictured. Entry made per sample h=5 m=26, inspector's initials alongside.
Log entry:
h=11 m=9
